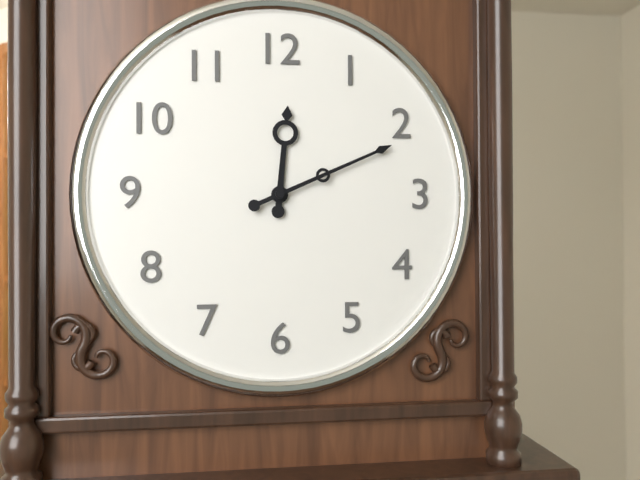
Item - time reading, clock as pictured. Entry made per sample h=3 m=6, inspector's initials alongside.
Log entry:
h=12 m=11
